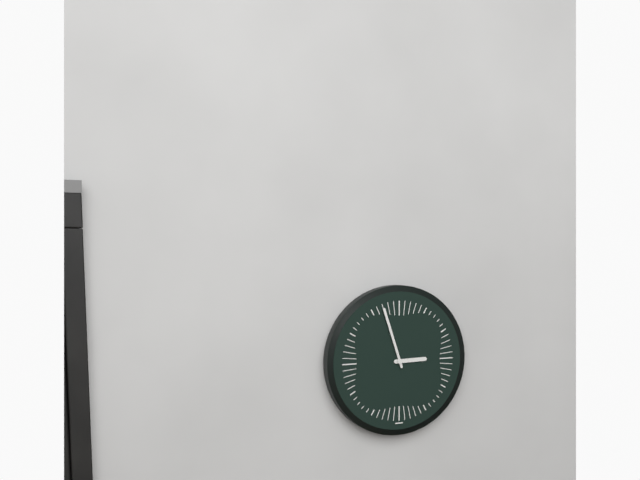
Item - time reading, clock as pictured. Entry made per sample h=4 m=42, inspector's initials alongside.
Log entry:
h=2 m=57
